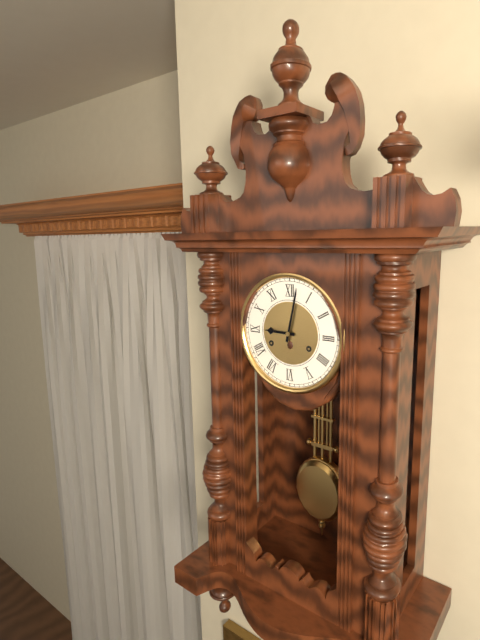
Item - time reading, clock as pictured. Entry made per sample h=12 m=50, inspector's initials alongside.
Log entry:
h=9 m=2
